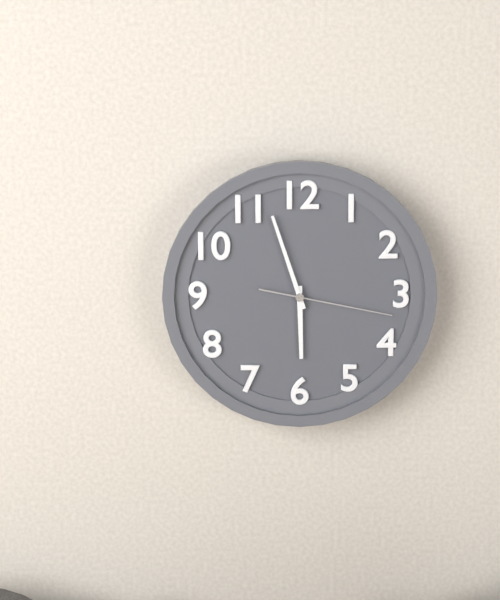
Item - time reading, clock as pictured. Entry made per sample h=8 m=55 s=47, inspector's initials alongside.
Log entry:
h=5 m=57 s=17
